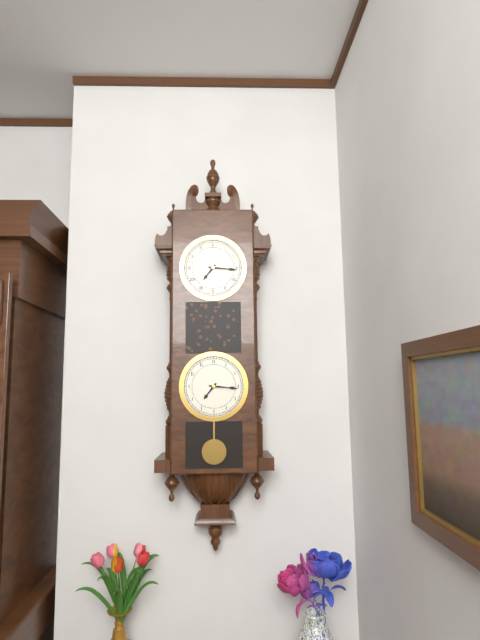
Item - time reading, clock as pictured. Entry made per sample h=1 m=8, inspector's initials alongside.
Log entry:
h=7 m=16
